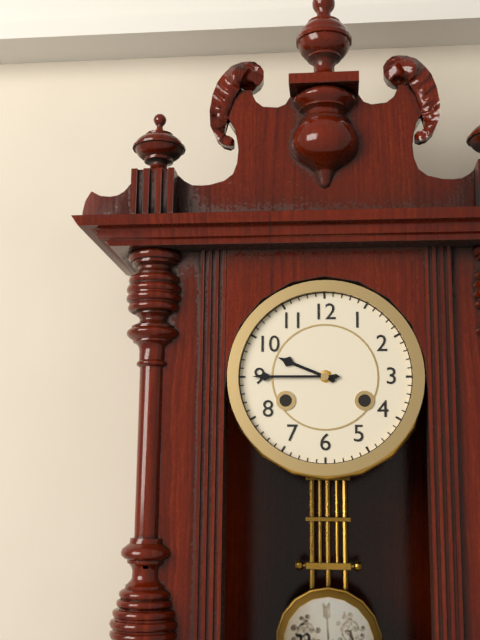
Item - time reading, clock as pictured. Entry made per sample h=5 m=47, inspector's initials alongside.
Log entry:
h=9 m=45
